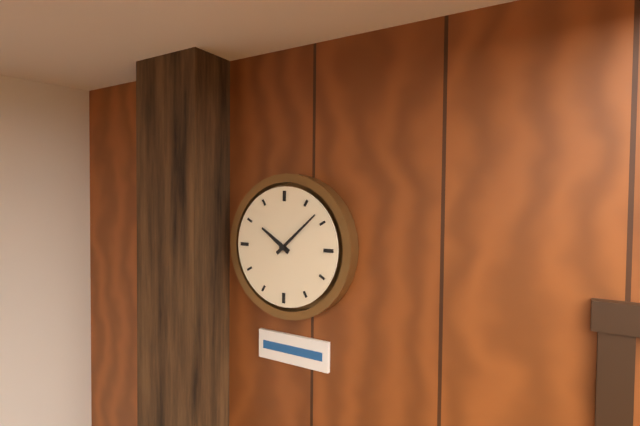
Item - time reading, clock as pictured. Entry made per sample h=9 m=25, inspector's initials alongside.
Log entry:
h=10 m=8
